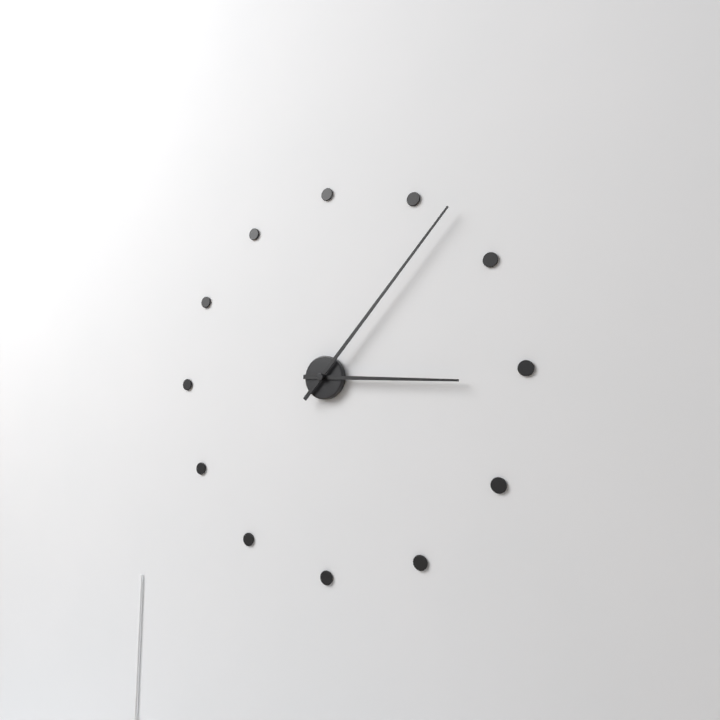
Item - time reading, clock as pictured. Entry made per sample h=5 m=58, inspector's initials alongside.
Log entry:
h=3 m=7
